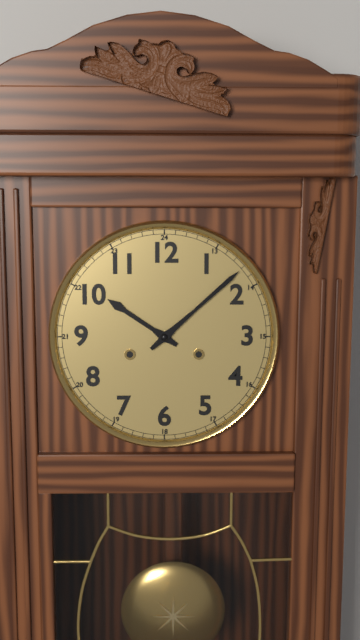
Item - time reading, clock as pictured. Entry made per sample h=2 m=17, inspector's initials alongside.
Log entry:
h=10 m=8
